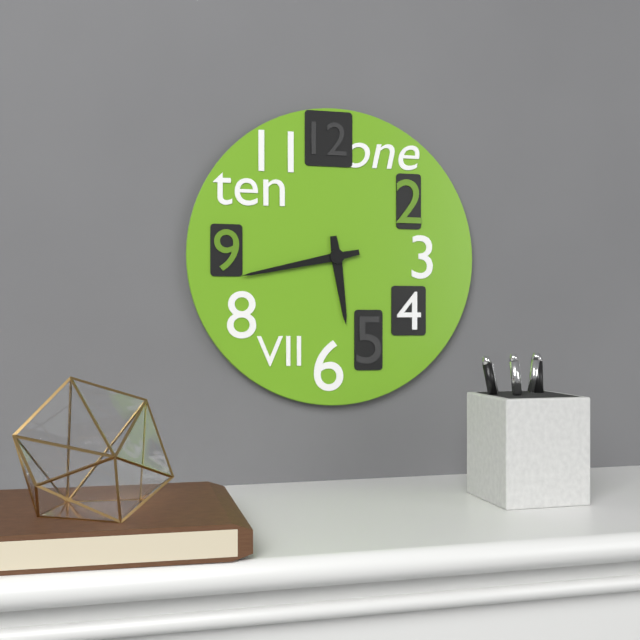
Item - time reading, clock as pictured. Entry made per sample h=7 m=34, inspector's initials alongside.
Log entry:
h=5 m=43
